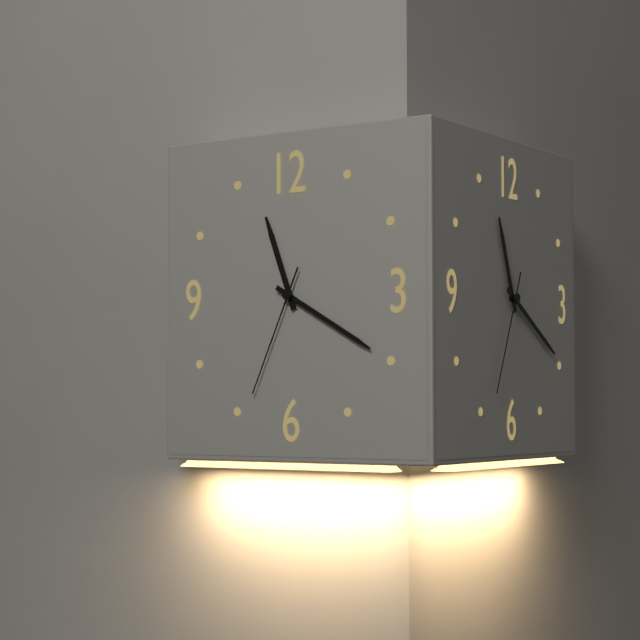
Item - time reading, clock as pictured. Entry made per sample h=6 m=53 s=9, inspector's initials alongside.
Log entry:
h=11 m=20 s=34
